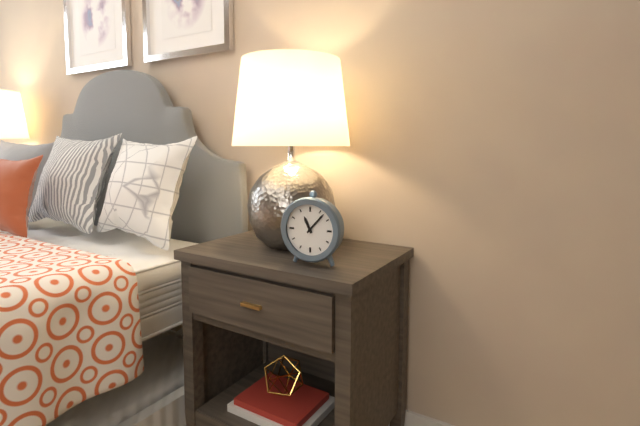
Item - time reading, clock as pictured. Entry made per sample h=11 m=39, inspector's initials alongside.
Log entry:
h=11 m=7
